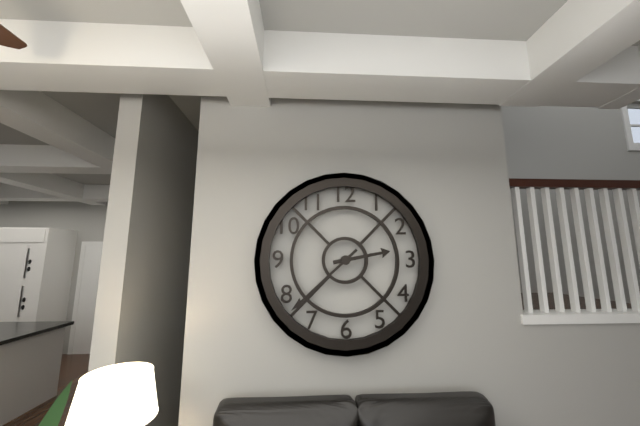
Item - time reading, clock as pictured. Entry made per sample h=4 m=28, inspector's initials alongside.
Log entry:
h=2 m=38
